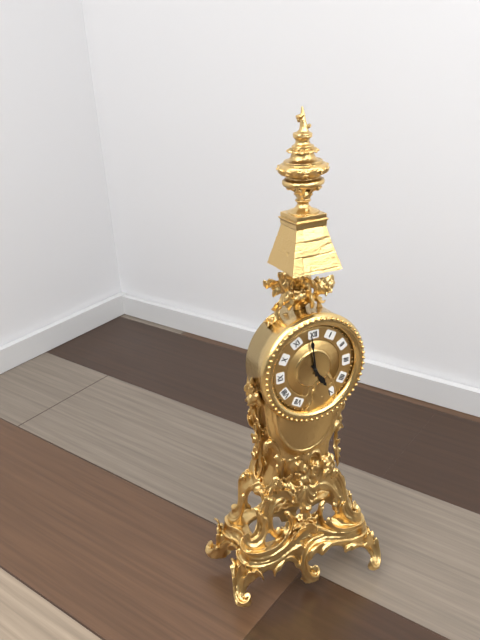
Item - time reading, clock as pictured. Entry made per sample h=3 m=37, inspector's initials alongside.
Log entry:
h=4 m=59
